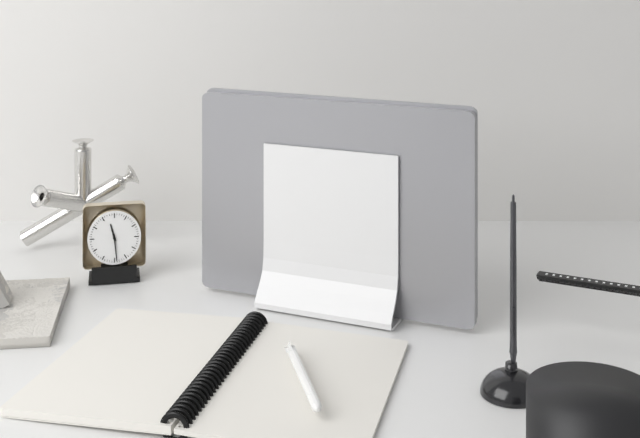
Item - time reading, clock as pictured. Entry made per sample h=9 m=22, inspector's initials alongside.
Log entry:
h=11 m=29
